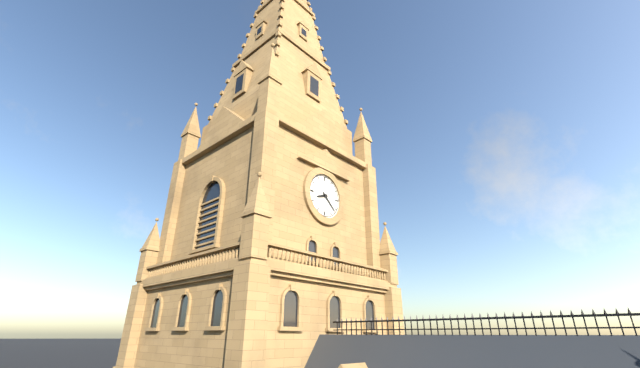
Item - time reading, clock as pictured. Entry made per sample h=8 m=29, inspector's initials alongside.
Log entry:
h=8 m=22
